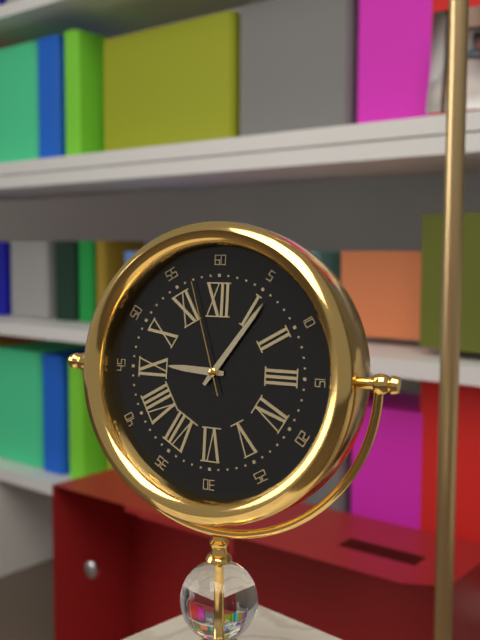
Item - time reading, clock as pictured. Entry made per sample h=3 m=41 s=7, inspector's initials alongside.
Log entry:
h=9 m=6 s=57
